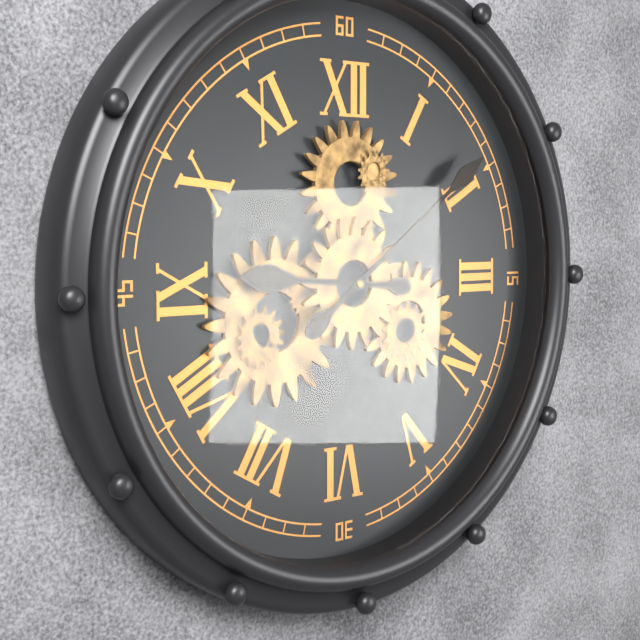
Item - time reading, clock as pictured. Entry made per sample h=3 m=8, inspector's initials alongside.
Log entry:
h=9 m=9
